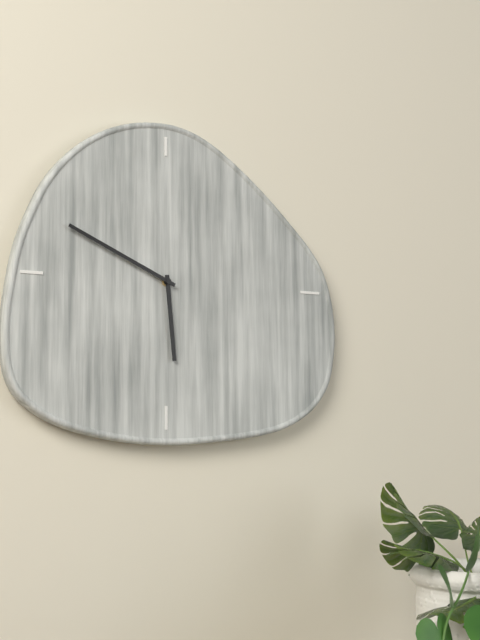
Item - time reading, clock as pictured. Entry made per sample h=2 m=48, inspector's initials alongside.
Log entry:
h=5 m=49
